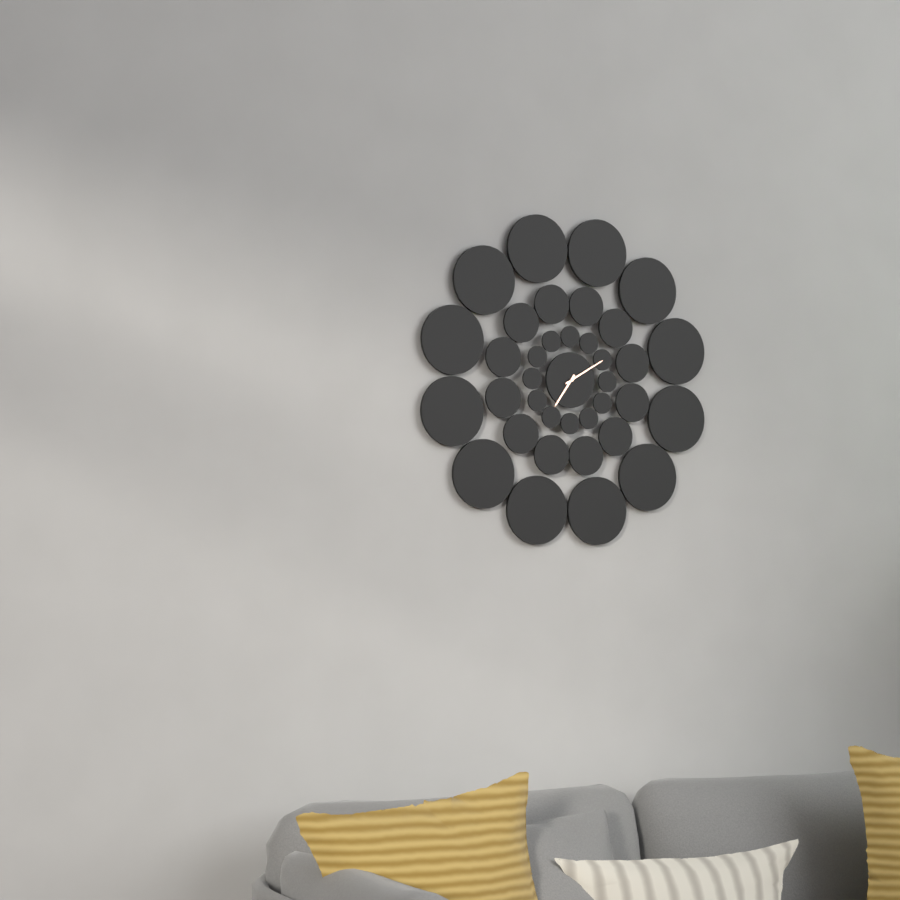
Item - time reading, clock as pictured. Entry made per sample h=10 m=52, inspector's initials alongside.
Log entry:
h=7 m=10
